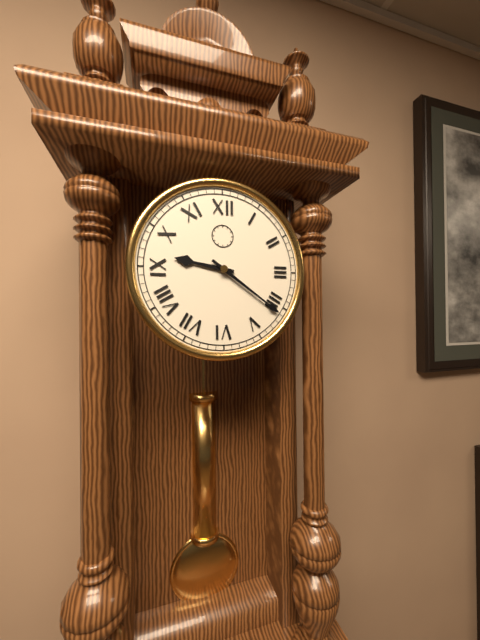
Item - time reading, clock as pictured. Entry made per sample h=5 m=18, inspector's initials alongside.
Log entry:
h=9 m=21
